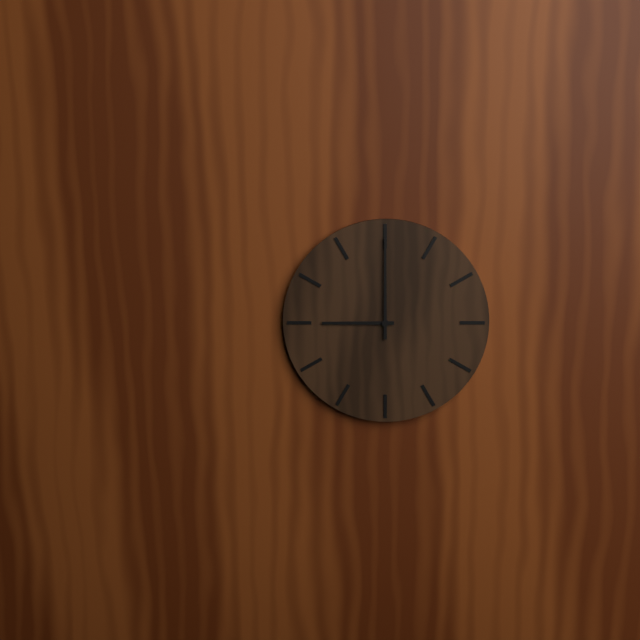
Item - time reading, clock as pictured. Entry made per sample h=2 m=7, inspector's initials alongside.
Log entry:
h=9 m=0
